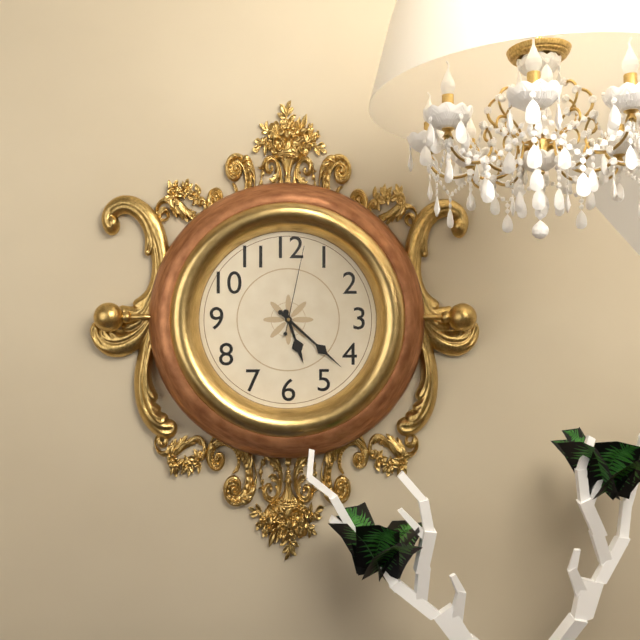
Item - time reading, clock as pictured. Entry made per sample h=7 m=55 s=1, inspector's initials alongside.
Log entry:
h=5 m=22 s=2
